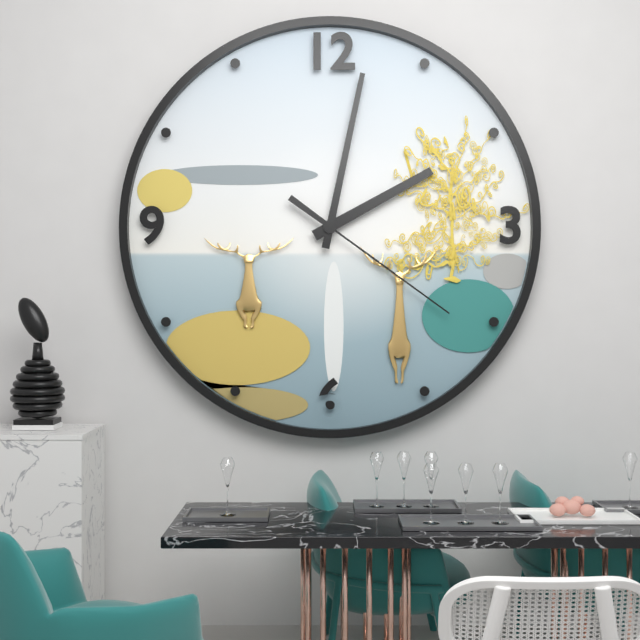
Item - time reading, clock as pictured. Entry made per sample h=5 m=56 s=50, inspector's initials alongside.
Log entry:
h=2 m=2 s=21
